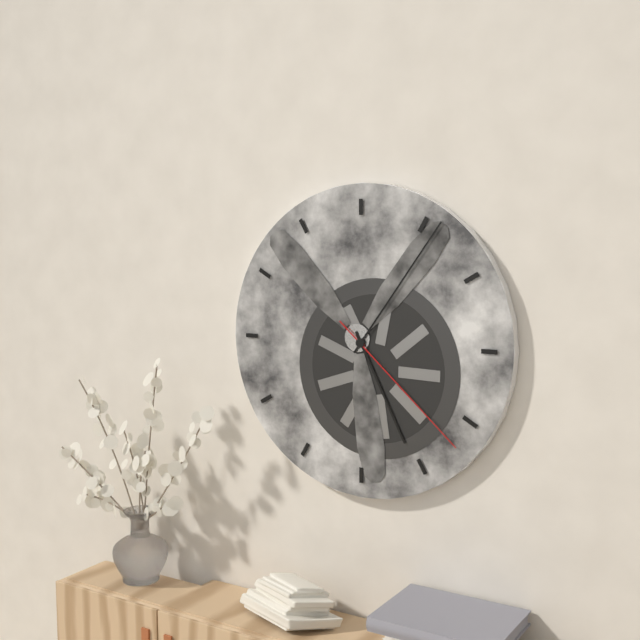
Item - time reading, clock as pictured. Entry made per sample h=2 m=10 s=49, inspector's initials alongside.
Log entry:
h=5 m=6 s=22
